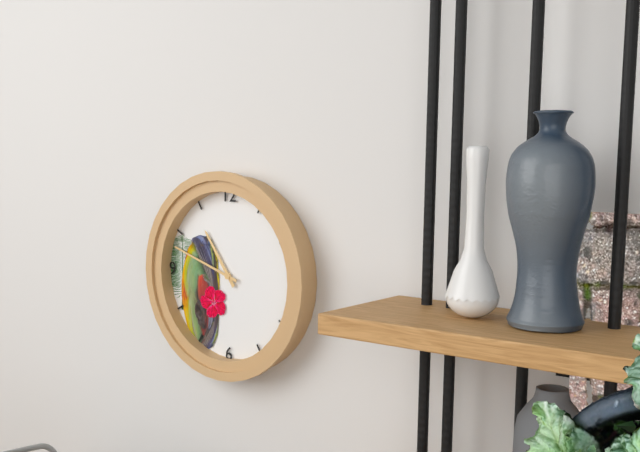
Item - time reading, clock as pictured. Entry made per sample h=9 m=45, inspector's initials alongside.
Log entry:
h=10 m=48
